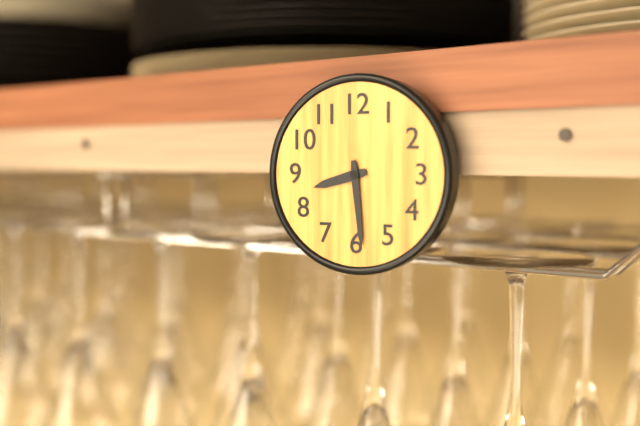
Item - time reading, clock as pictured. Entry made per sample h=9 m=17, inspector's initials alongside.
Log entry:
h=8 m=29
